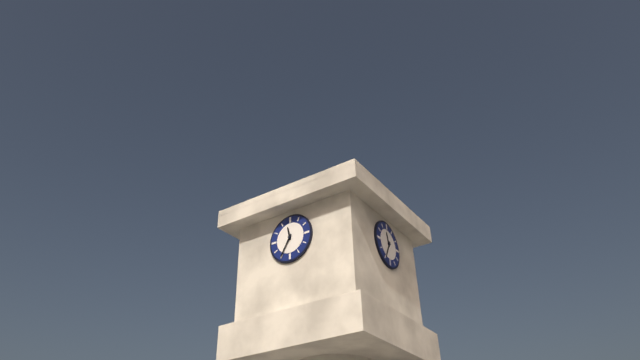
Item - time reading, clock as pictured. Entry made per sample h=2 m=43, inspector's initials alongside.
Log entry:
h=11 m=35
